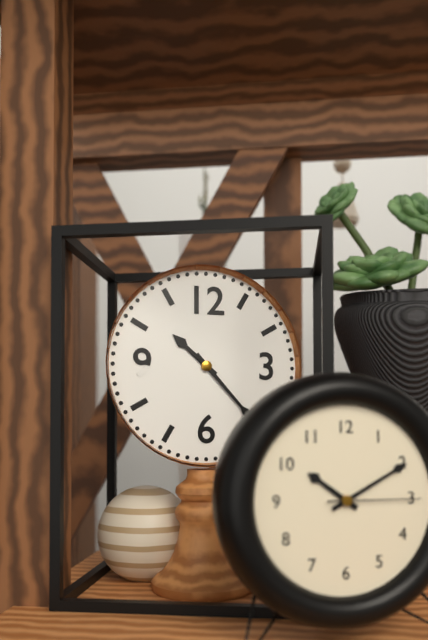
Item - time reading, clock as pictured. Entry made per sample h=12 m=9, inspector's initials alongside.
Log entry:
h=10 m=23
